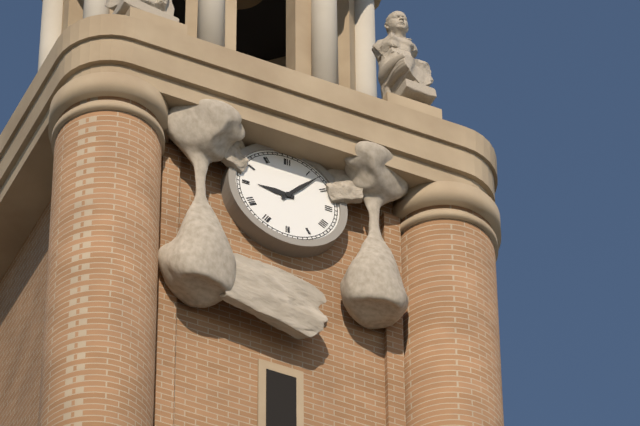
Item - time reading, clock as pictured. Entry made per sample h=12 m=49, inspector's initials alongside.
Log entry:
h=9 m=7
